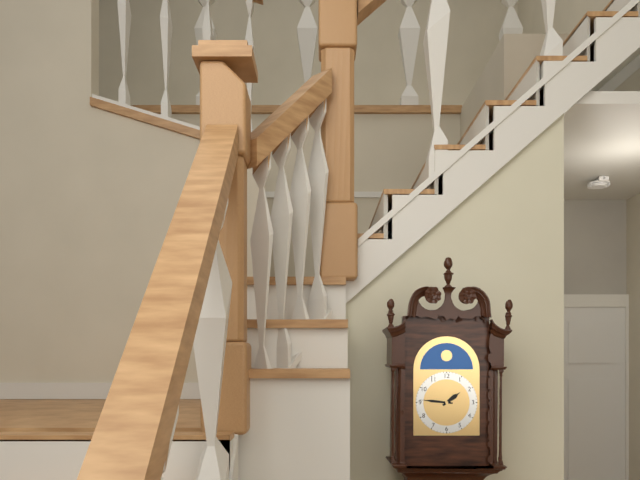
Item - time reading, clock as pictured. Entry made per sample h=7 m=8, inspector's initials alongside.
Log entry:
h=1 m=46
